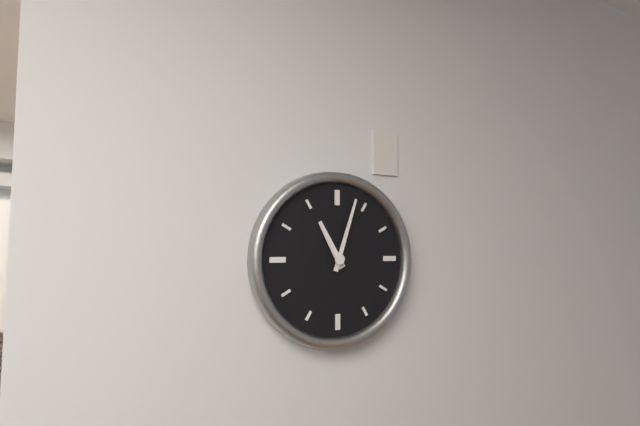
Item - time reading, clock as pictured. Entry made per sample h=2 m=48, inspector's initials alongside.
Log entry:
h=11 m=3
